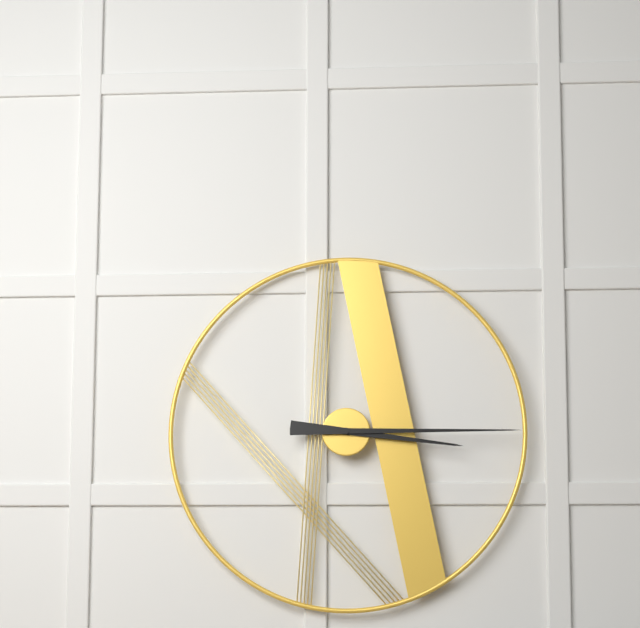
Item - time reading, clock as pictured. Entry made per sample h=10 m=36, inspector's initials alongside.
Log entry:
h=3 m=15
